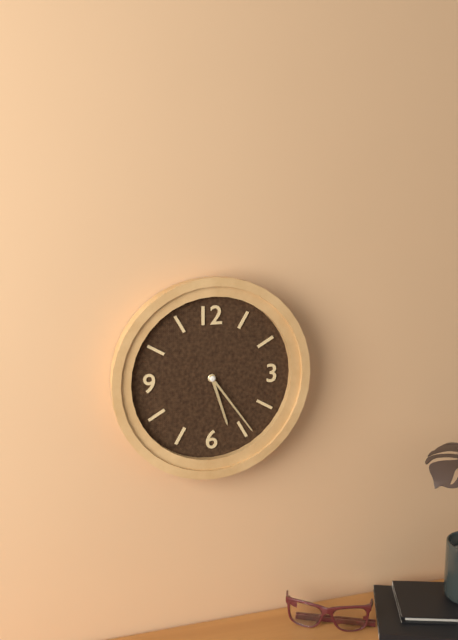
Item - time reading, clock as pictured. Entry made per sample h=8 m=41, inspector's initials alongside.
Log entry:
h=5 m=24
